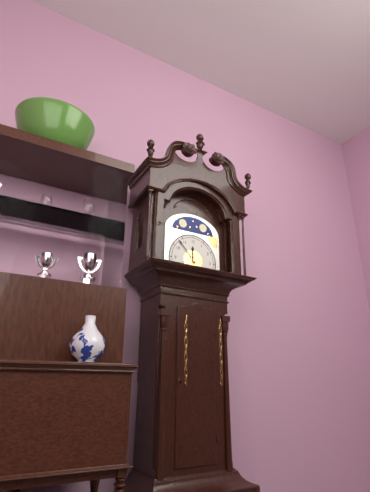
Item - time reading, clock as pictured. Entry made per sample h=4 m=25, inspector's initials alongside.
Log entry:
h=11 m=53
